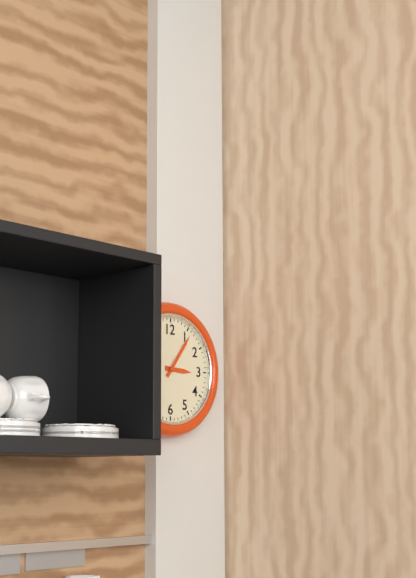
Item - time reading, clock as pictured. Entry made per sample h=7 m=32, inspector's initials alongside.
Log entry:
h=3 m=6
